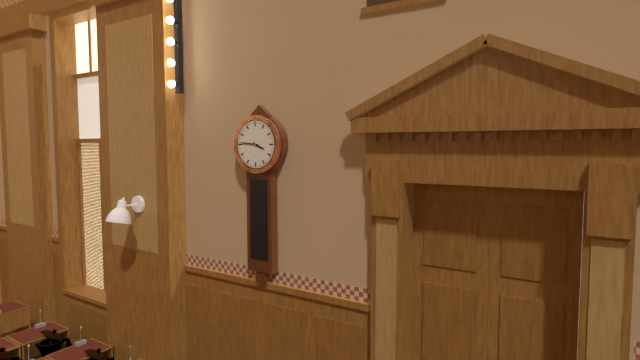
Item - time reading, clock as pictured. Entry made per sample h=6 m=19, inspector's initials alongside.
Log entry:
h=3 m=46
